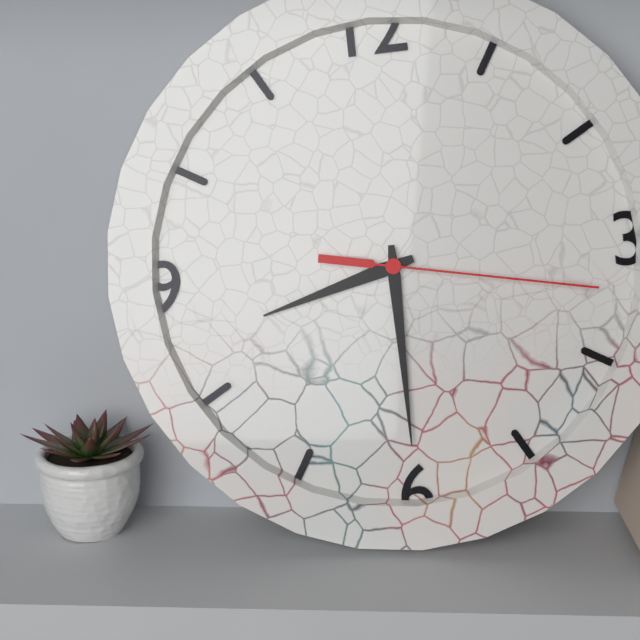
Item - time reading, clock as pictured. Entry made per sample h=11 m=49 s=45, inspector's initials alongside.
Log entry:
h=8 m=30 s=17
